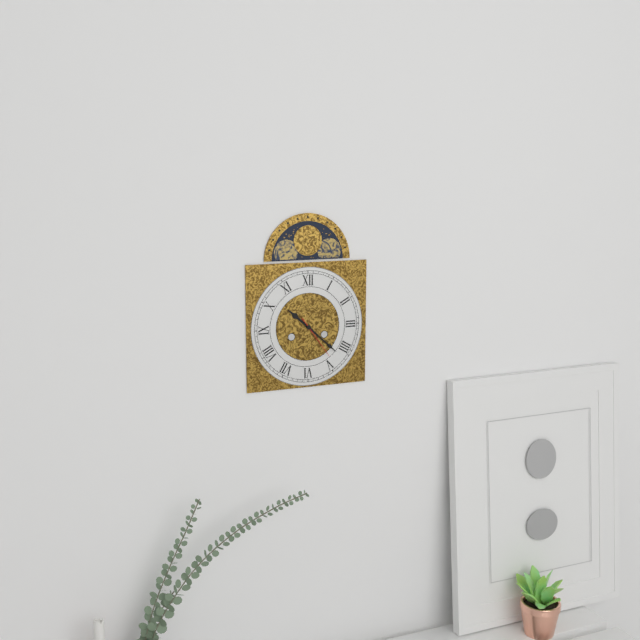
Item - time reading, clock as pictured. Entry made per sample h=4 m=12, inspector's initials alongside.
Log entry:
h=10 m=22
